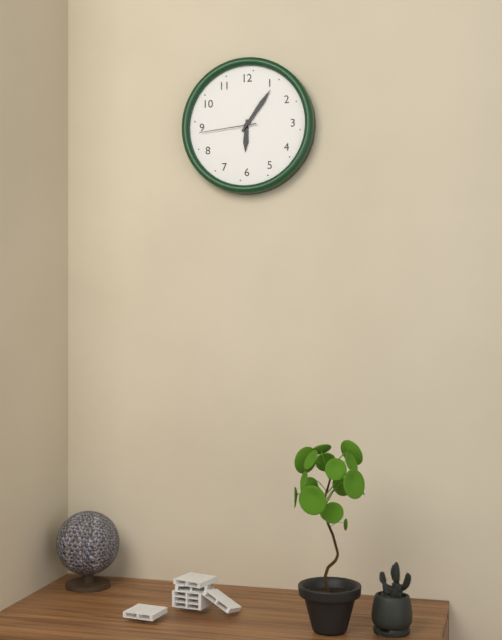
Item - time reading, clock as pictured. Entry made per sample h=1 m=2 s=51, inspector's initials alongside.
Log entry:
h=6 m=6 s=44
